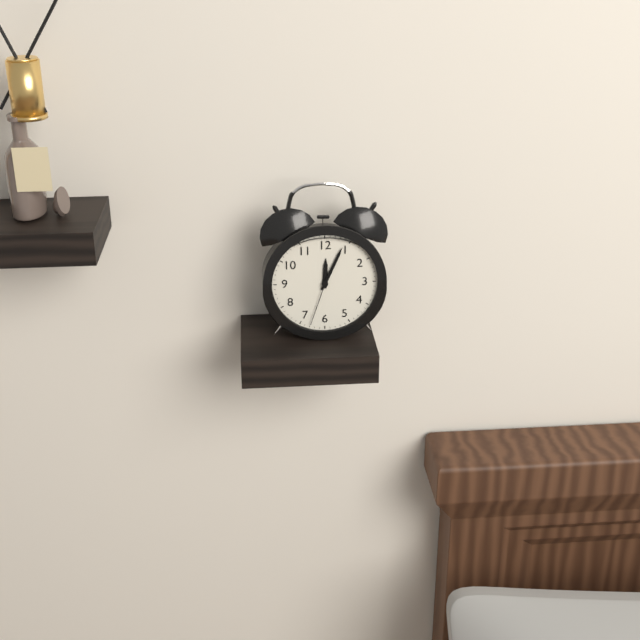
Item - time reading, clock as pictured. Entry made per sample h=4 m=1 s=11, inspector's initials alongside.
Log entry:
h=12 m=4 s=33
